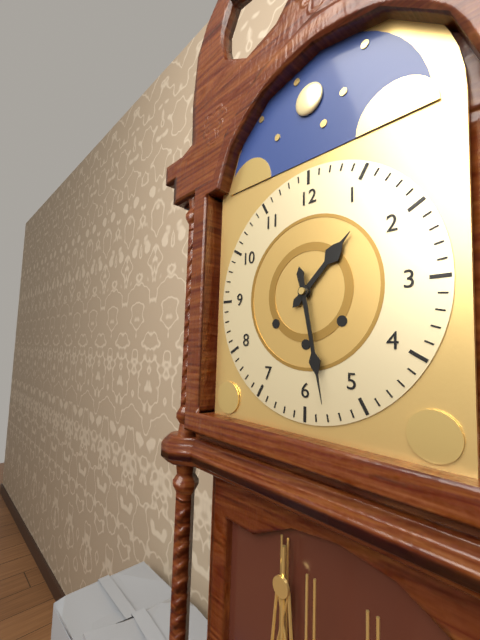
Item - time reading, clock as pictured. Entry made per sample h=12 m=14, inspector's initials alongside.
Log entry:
h=1 m=28
